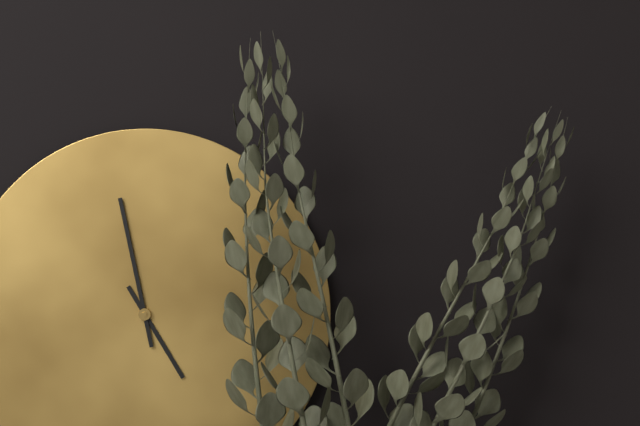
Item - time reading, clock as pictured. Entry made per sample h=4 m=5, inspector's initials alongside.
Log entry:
h=4 m=58
